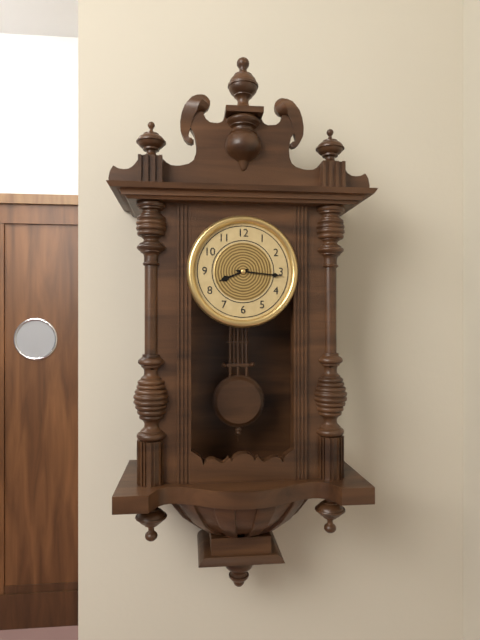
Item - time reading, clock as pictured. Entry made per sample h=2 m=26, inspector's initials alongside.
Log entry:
h=8 m=16
